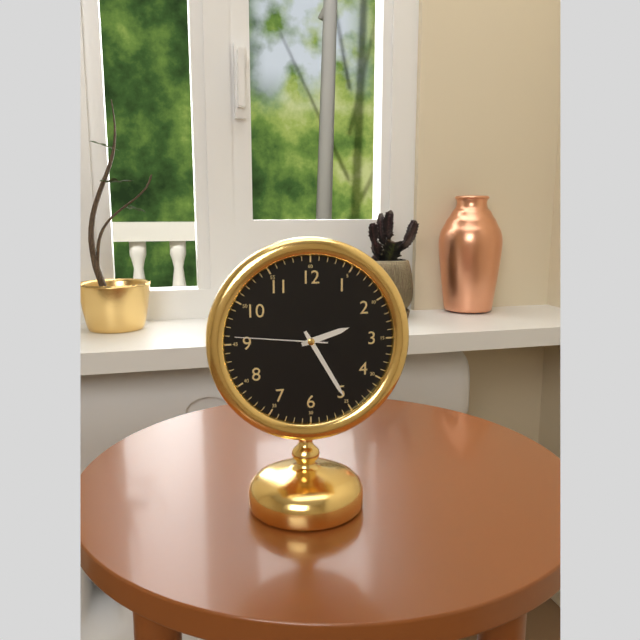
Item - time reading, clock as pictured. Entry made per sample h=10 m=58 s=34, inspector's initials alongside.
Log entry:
h=2 m=25 s=46
